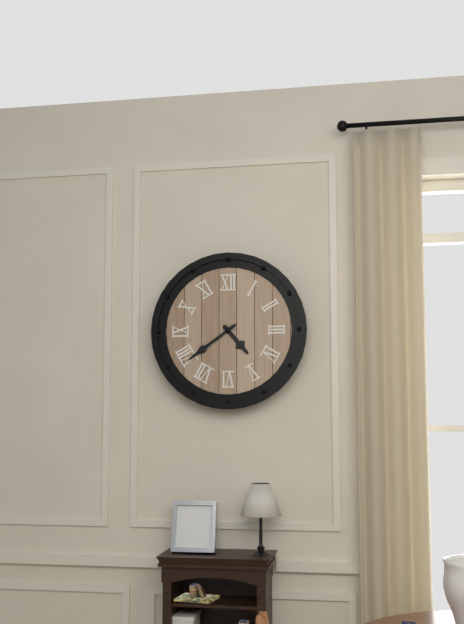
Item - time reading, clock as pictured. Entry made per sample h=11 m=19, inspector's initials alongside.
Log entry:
h=4 m=39
